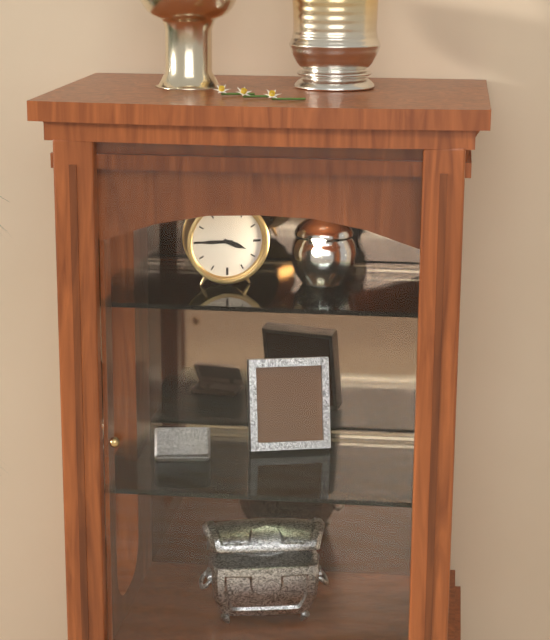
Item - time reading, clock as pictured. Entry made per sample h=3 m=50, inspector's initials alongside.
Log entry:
h=3 m=45
